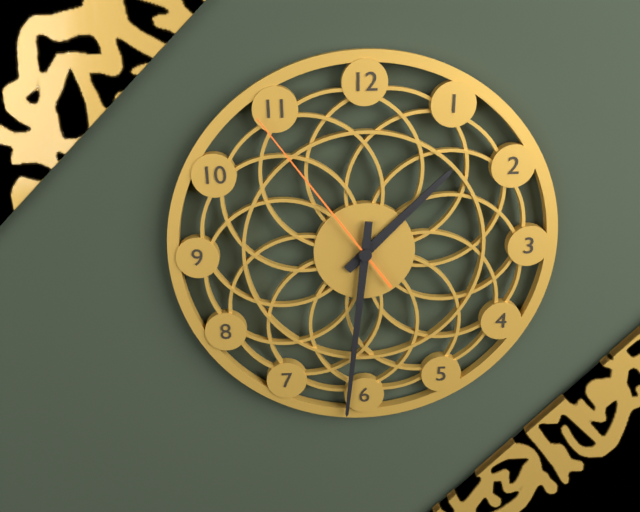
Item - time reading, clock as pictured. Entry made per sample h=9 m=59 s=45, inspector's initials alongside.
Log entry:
h=1 m=31 s=54
